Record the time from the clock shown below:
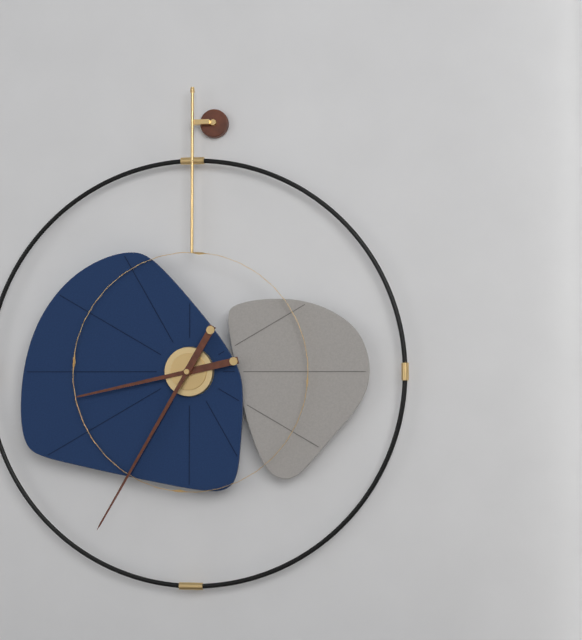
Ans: 8:35
